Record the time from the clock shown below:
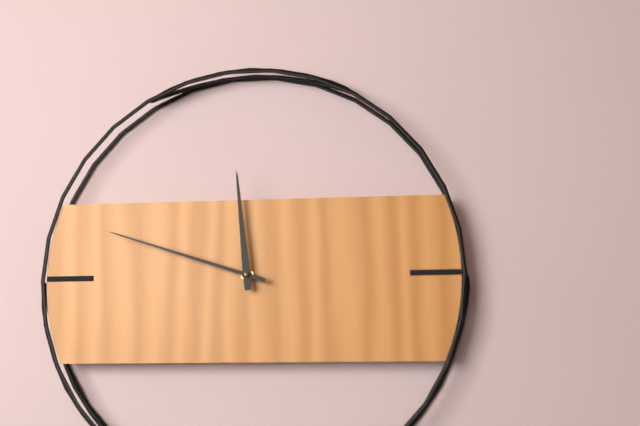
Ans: 11:48
